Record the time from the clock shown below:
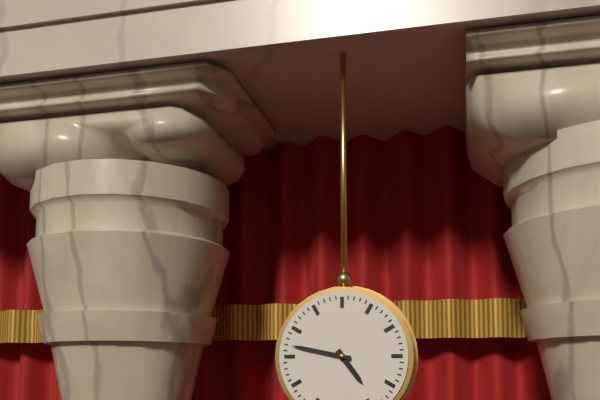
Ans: 4:47
